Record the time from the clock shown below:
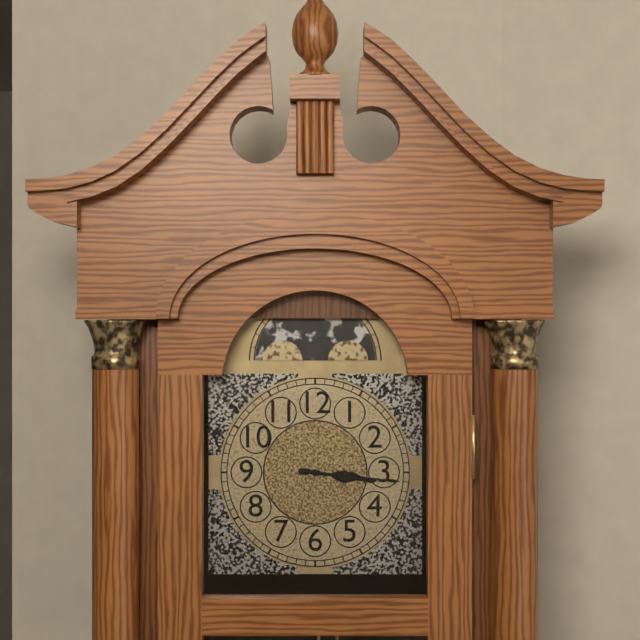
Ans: 3:16
